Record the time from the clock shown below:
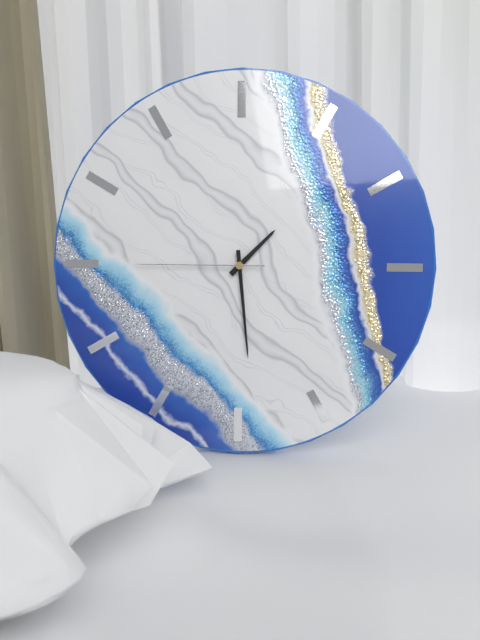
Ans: 1:29:45
